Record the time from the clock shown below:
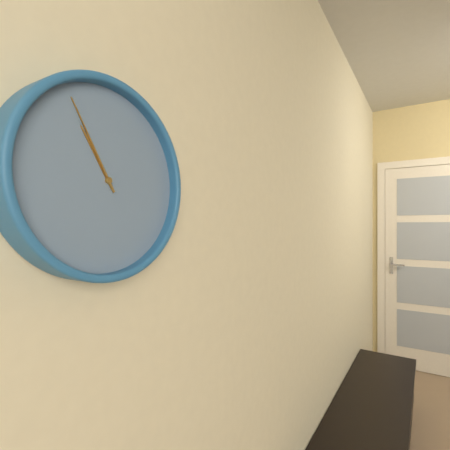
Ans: 10:55
